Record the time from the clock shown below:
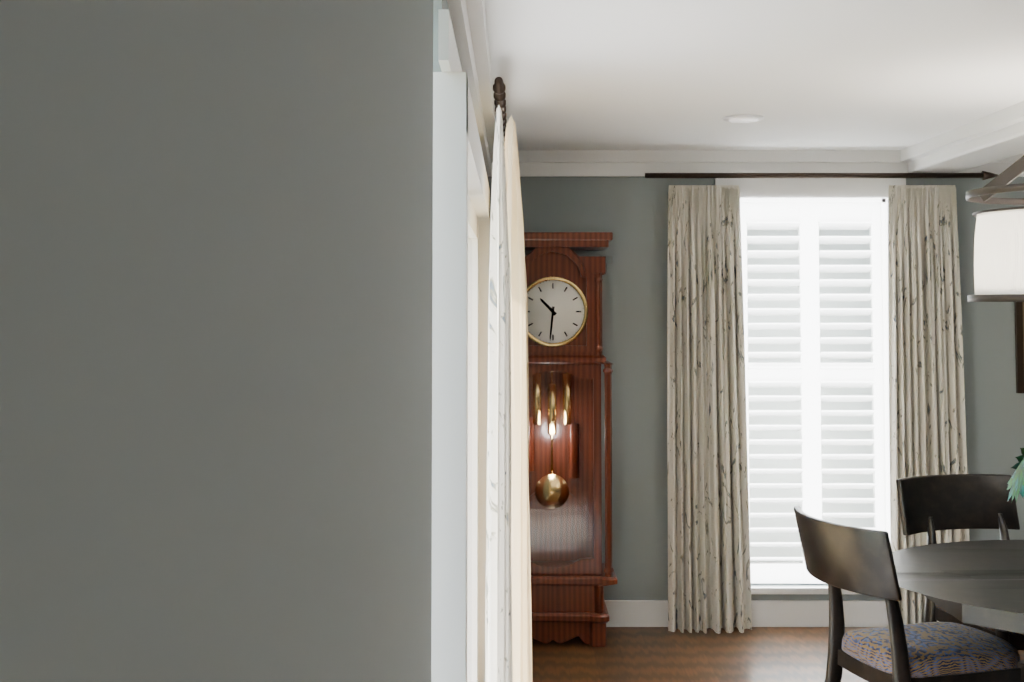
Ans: 10:31
